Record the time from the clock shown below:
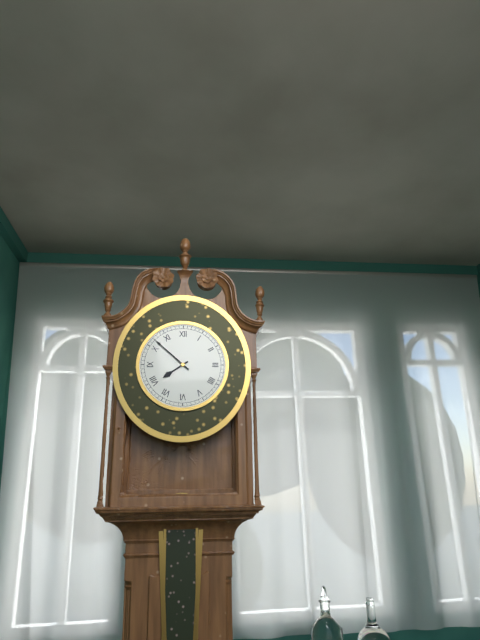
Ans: 7:52
